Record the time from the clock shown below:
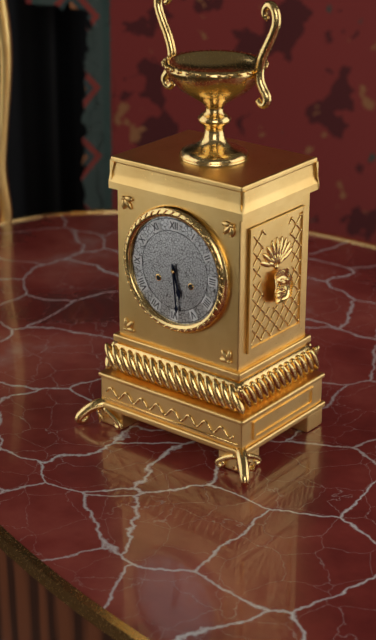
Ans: 5:29
